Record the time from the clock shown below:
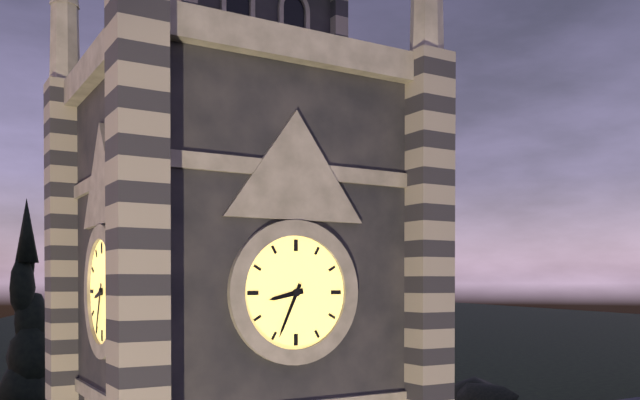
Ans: 8:34
